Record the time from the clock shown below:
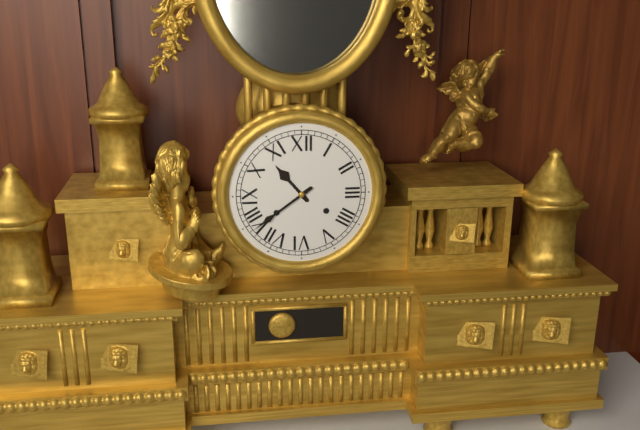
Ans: 10:39
